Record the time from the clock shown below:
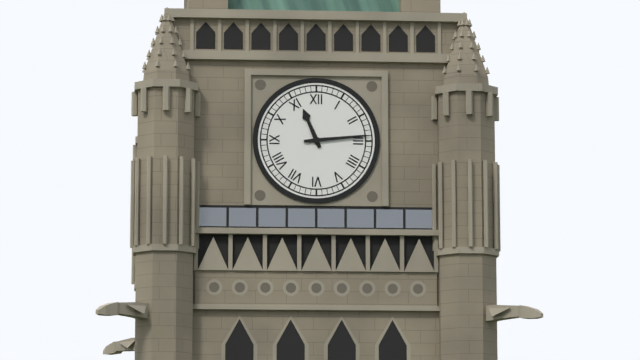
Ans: 11:14
